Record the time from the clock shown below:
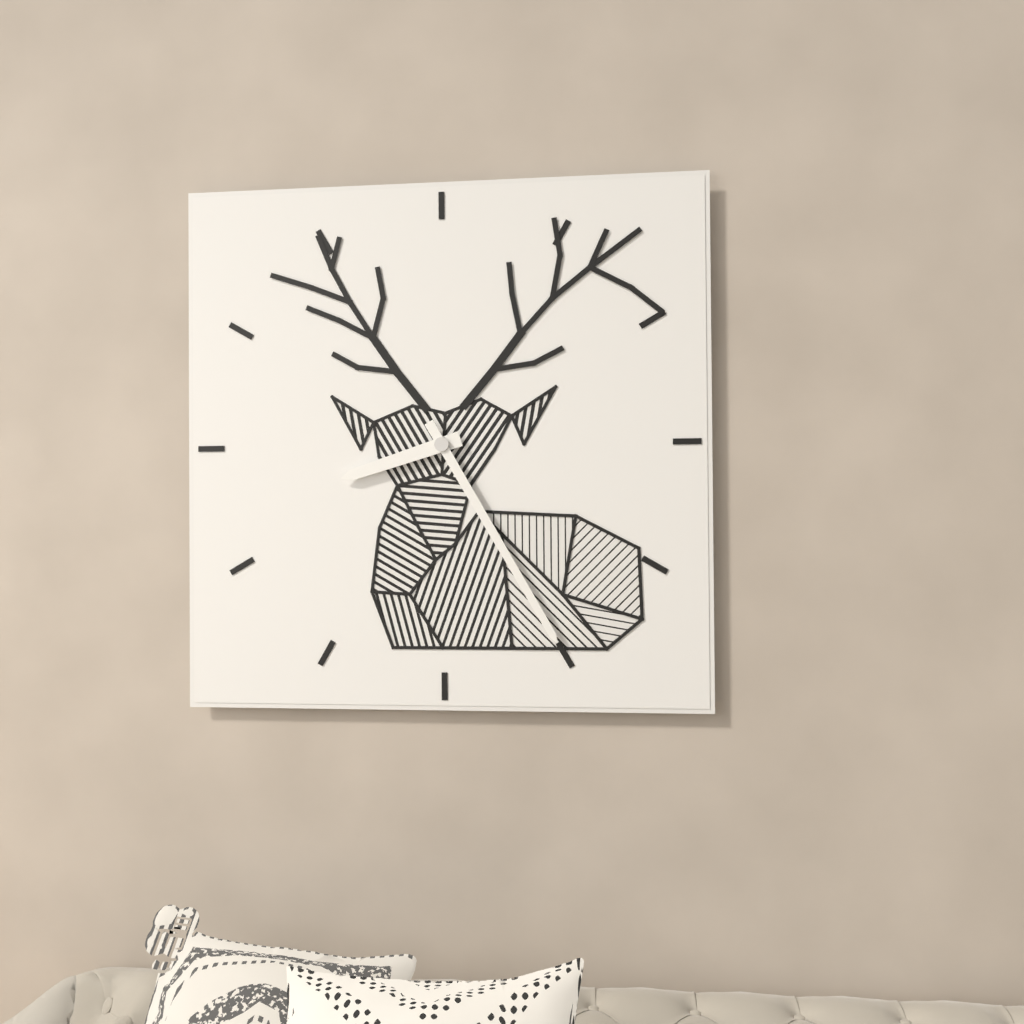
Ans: 8:25
